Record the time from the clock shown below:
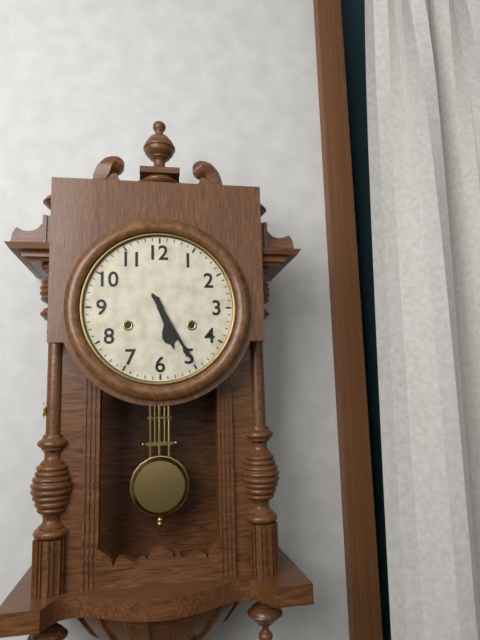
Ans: 5:25
